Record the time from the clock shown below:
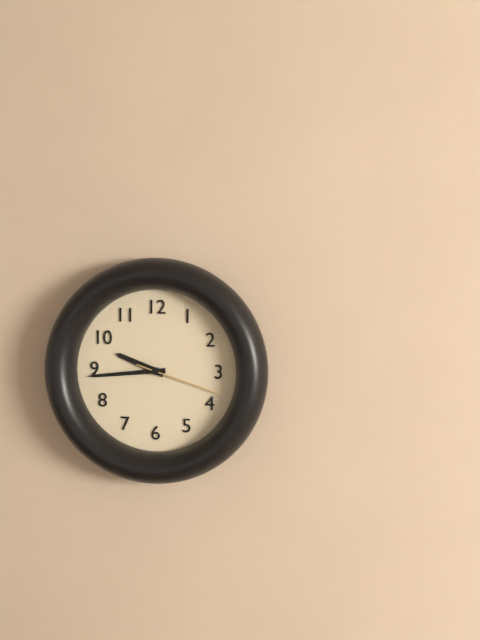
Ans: 9:44:18
